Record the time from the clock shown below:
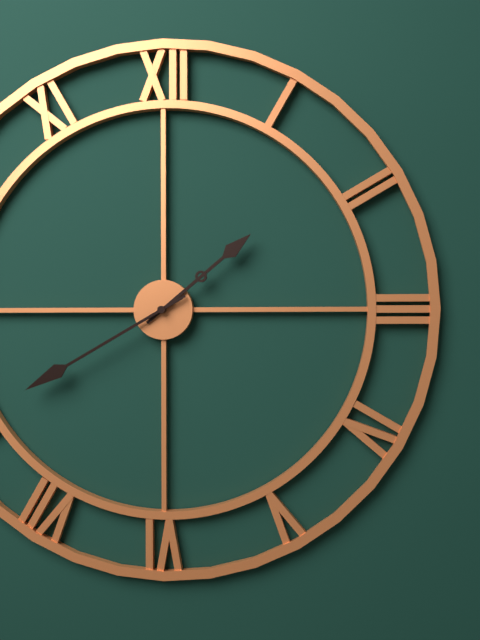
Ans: 1:40
